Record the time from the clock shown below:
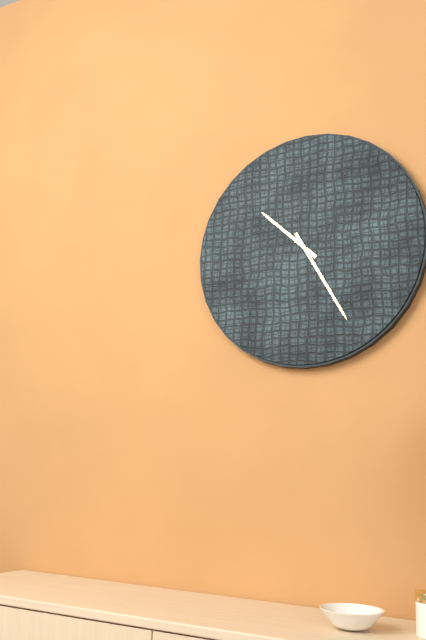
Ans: 10:25
